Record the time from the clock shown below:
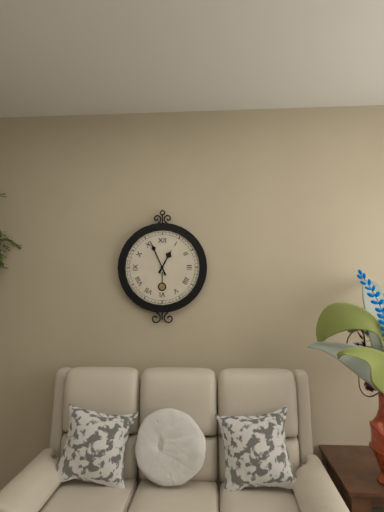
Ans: 12:56
